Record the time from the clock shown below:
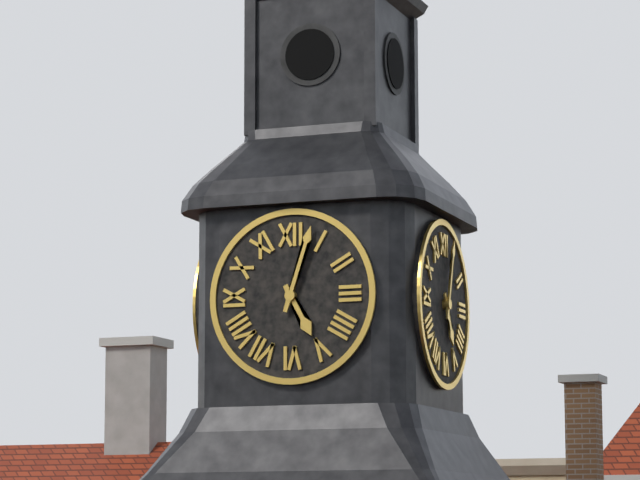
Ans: 5:03
